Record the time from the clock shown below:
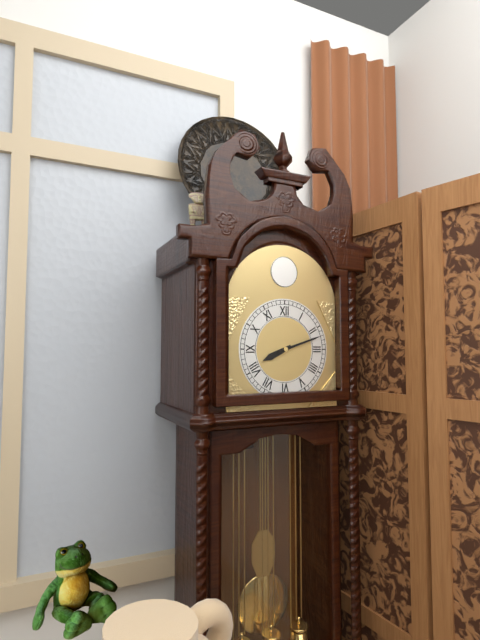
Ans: 8:12
